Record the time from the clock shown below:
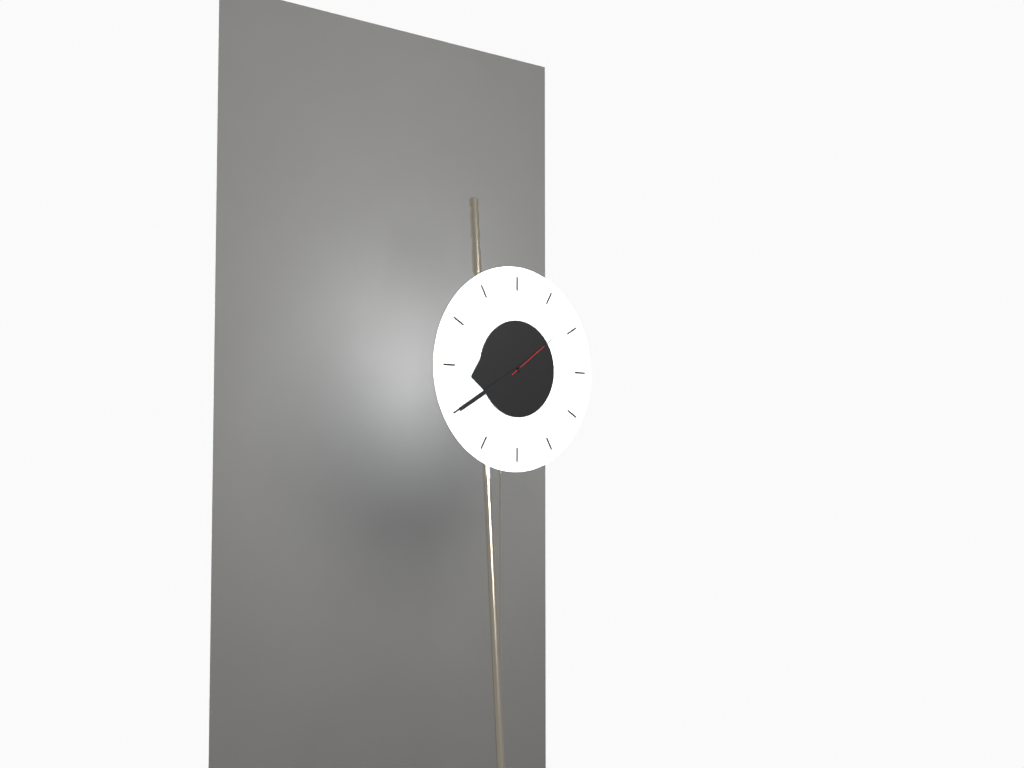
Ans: 8:40:09
